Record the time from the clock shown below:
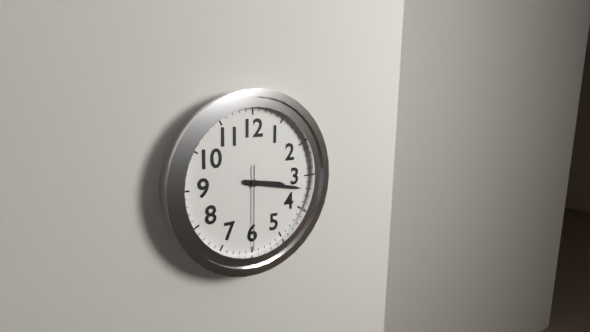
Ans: 3:17:30
